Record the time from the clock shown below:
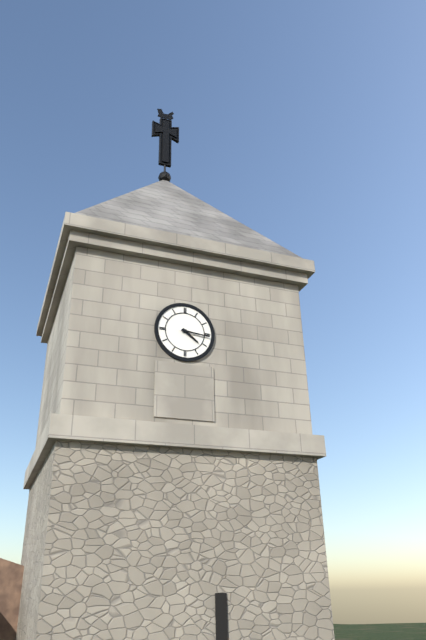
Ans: 4:16
